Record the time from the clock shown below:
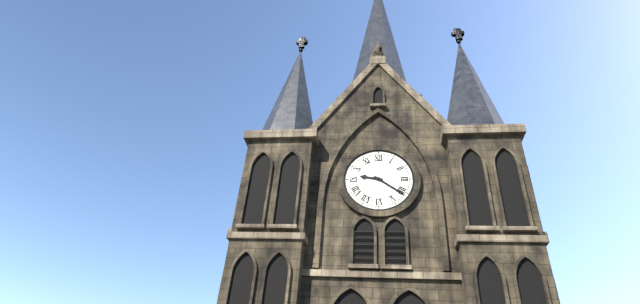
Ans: 9:21
